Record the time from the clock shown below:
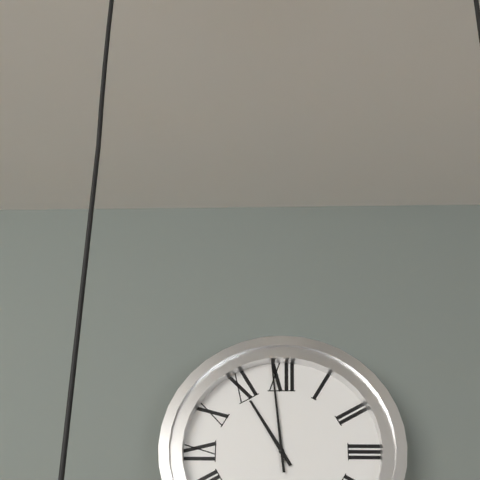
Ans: 10:59
